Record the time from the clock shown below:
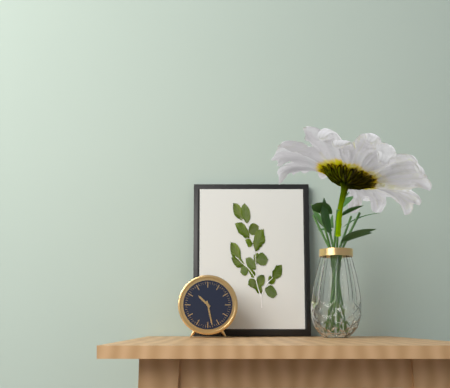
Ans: 10:28
